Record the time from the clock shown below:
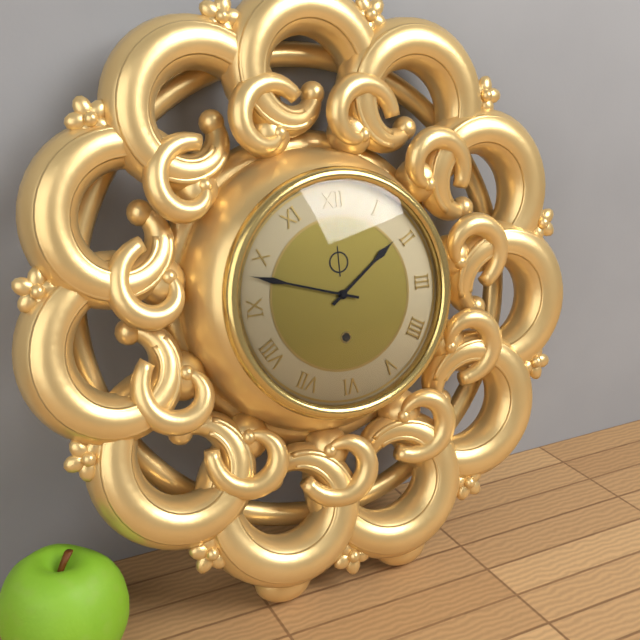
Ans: 1:48
